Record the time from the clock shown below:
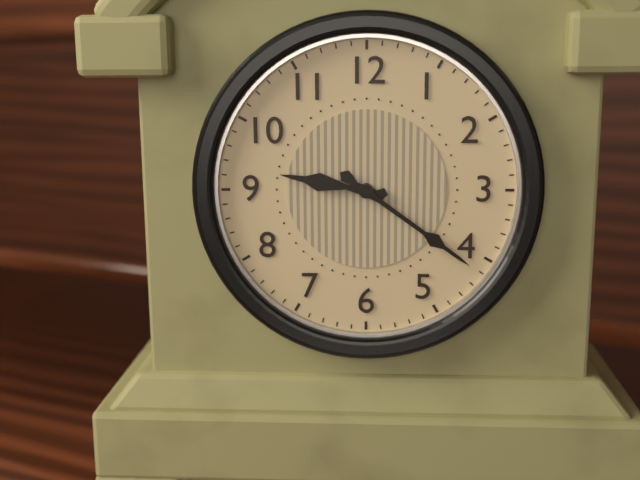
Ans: 9:21
